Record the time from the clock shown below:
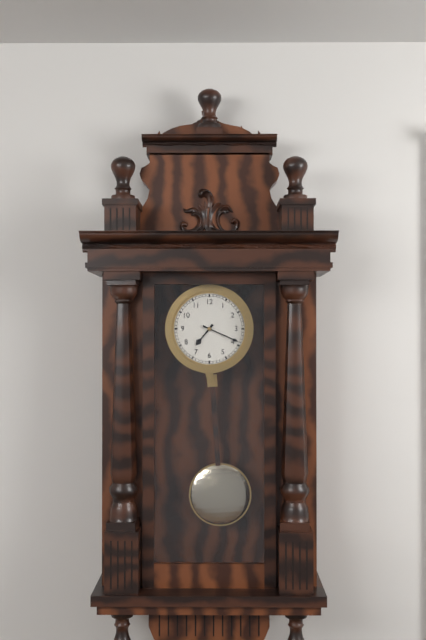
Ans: 7:19
